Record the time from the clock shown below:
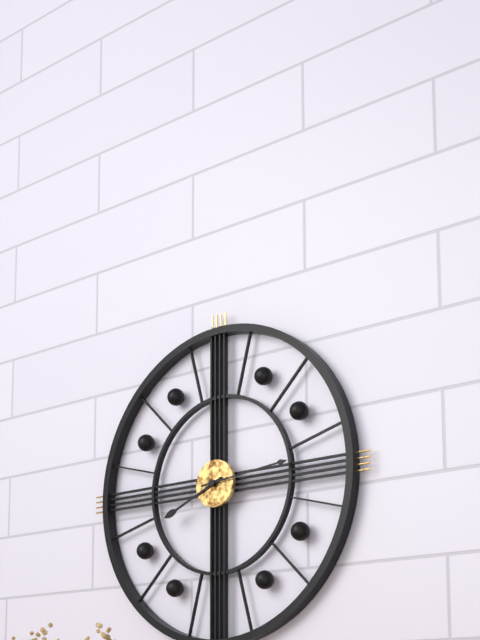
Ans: 8:14
